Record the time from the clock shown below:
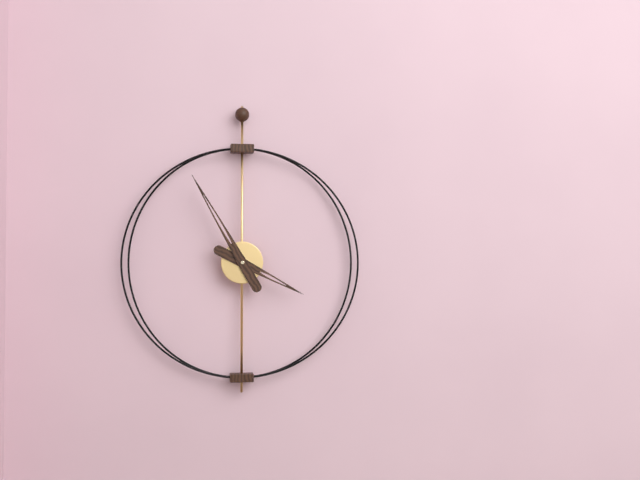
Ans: 3:55
